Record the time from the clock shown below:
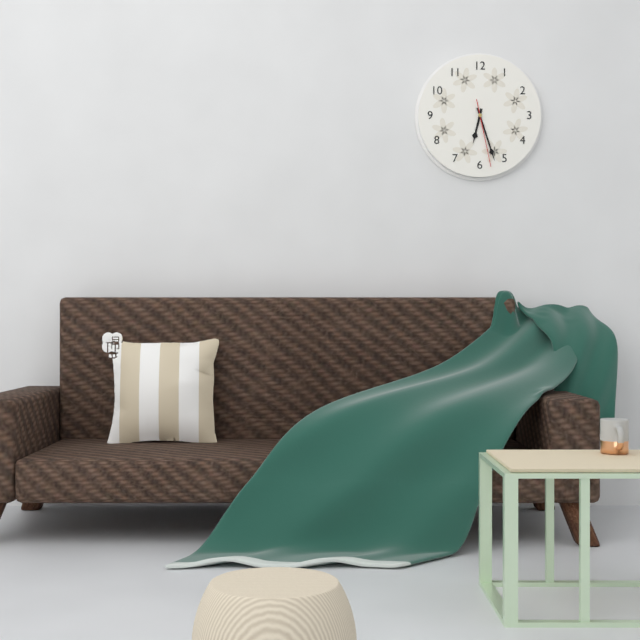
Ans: 6:27:28
